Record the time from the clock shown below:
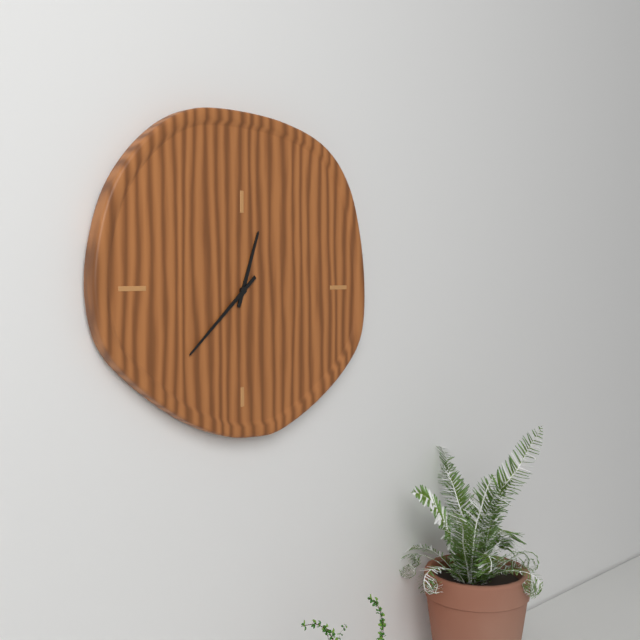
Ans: 12:38
